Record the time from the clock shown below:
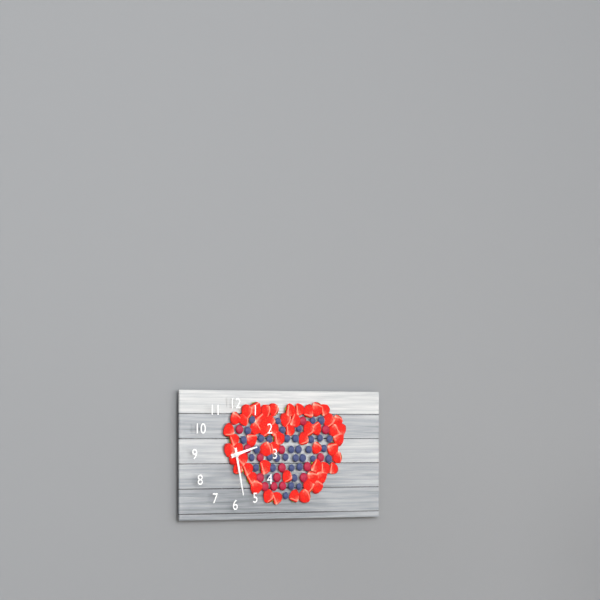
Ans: 2:28
